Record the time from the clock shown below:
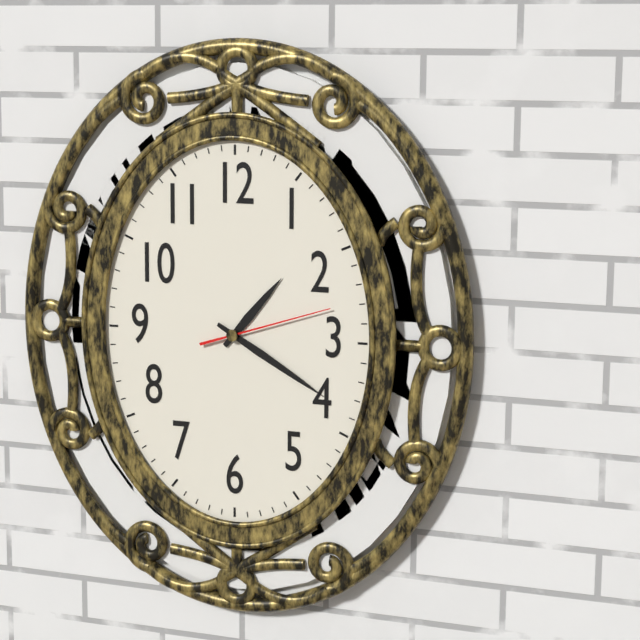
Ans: 1:20:12
